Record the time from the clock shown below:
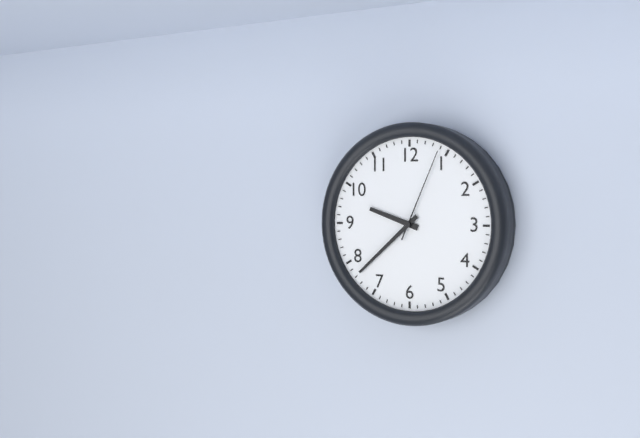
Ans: 9:38:04
